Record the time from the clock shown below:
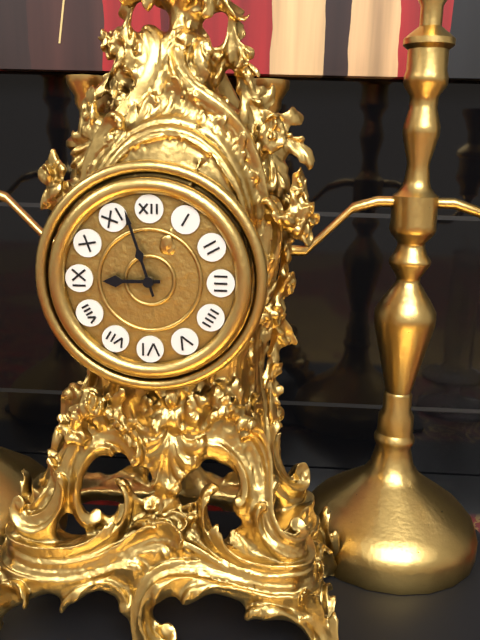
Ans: 8:57
